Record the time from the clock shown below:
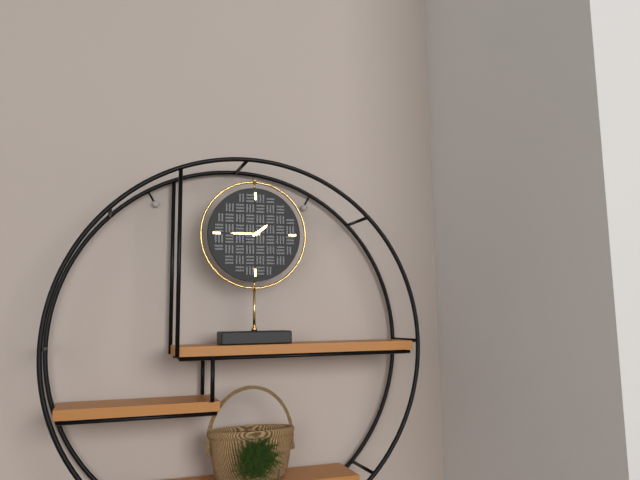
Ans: 1:45
